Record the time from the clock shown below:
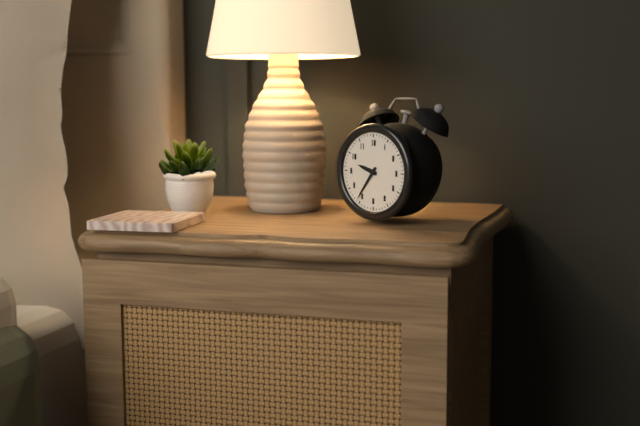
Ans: 9:36
